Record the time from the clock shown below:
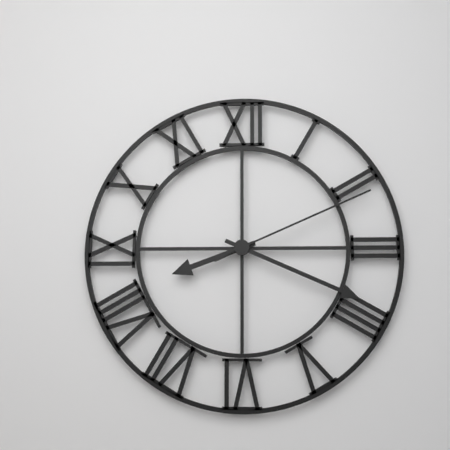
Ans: 8:19:11
